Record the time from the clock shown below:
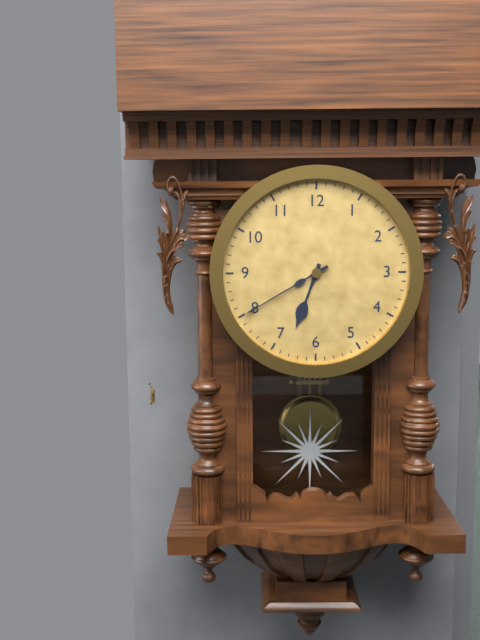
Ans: 6:40
